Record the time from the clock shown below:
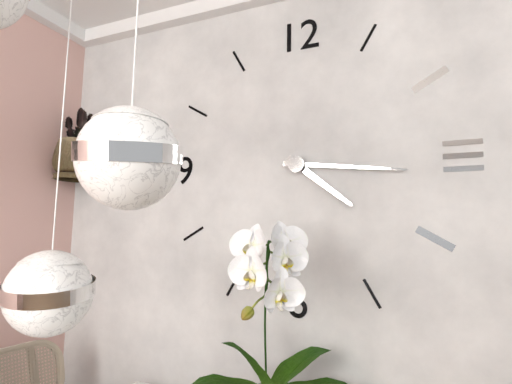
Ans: 4:16
